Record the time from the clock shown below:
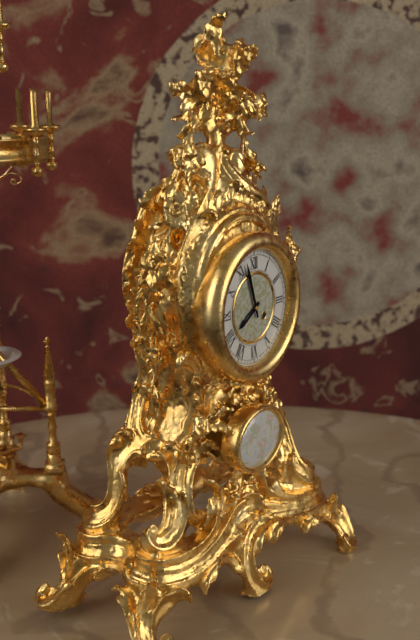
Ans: 7:57
